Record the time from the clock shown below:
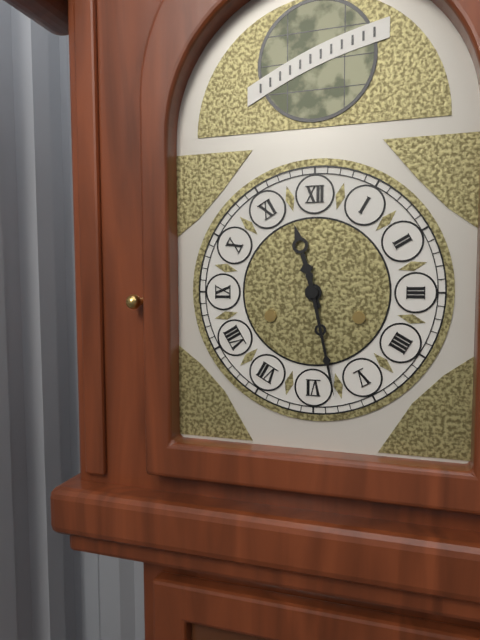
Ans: 11:28
